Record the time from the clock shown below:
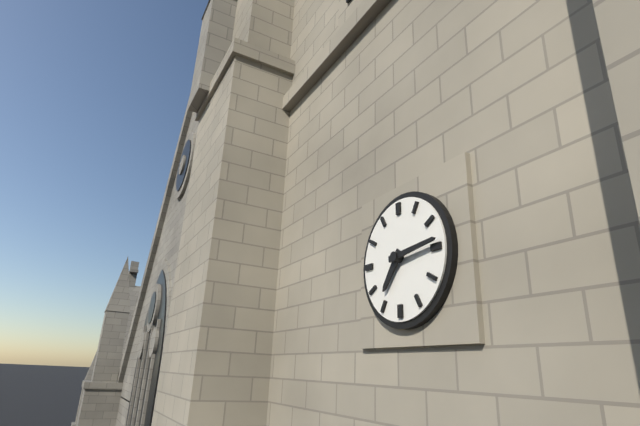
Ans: 7:14
